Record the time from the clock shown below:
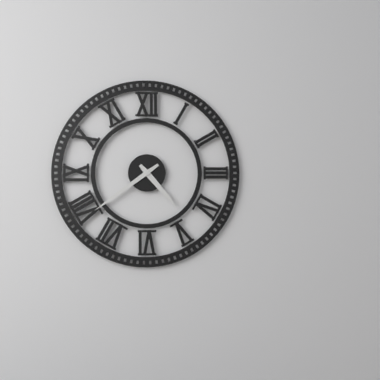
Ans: 4:39
